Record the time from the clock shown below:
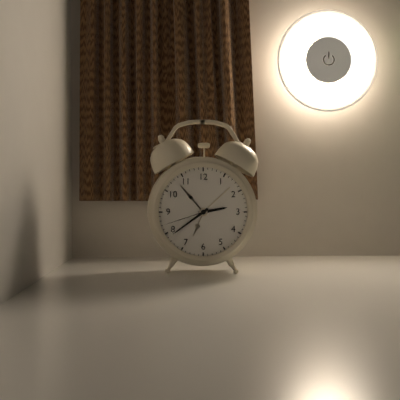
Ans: 2:39:42
